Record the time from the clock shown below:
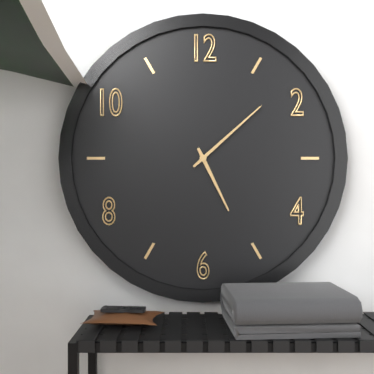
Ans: 5:08
